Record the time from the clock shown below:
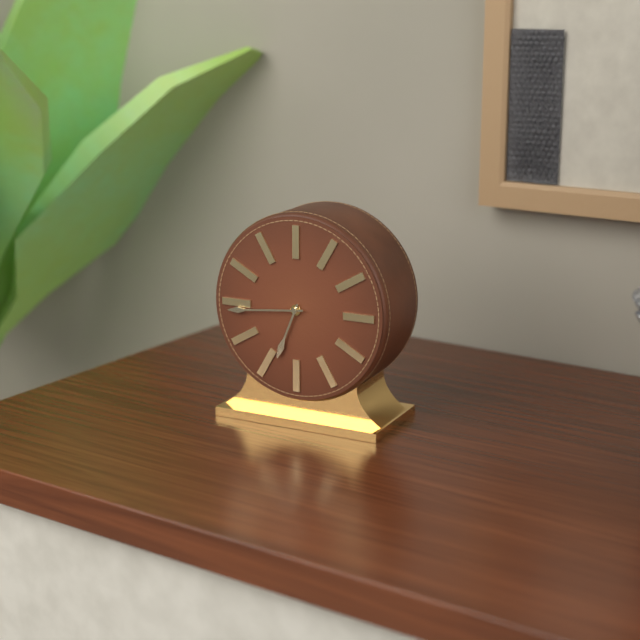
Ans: 6:44
